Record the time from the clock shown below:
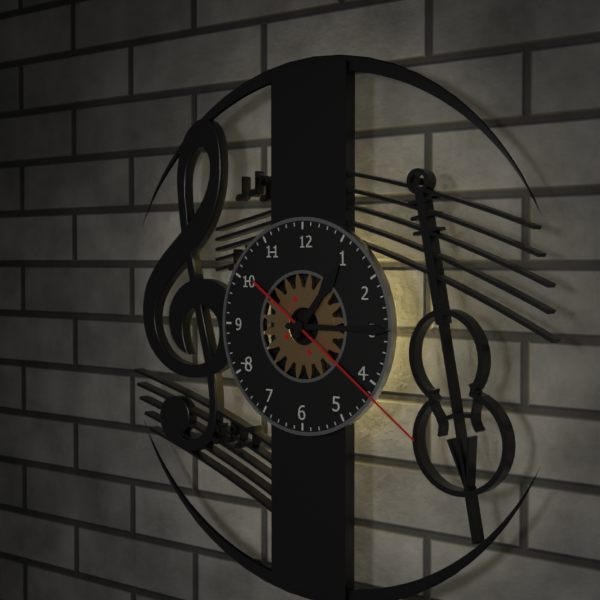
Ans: 1:15:21
